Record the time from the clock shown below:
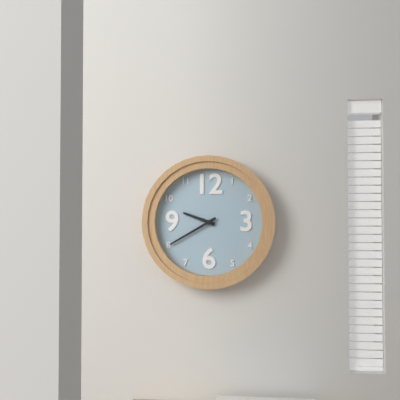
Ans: 9:40
